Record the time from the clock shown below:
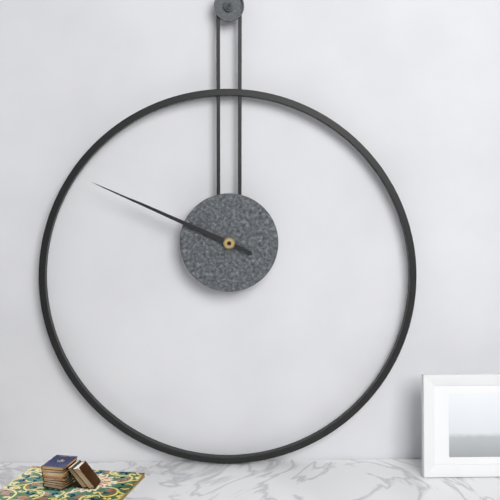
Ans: 9:49
